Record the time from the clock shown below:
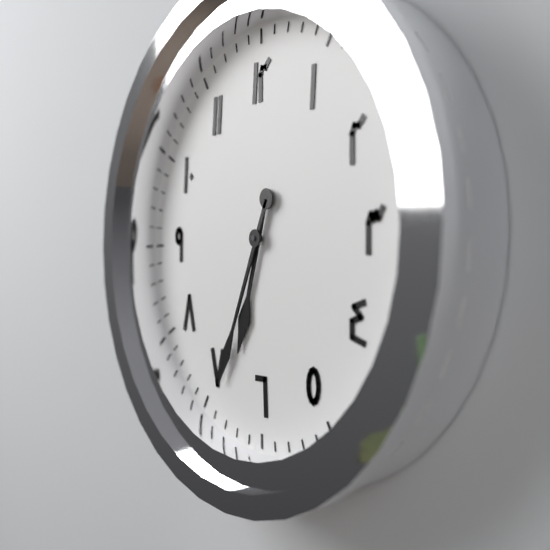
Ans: 6:34
